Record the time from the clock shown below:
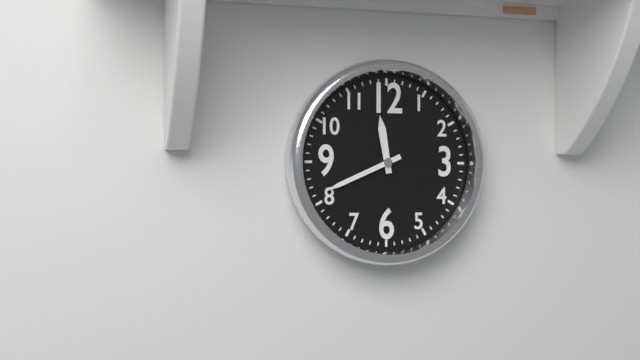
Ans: 11:41
